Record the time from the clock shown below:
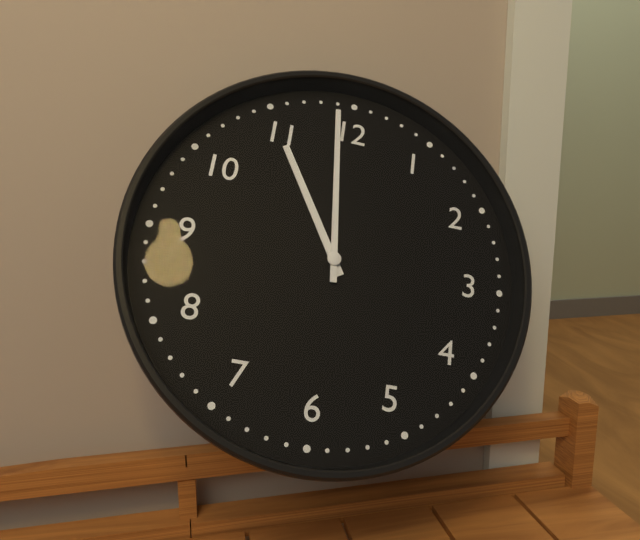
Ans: 10:59
